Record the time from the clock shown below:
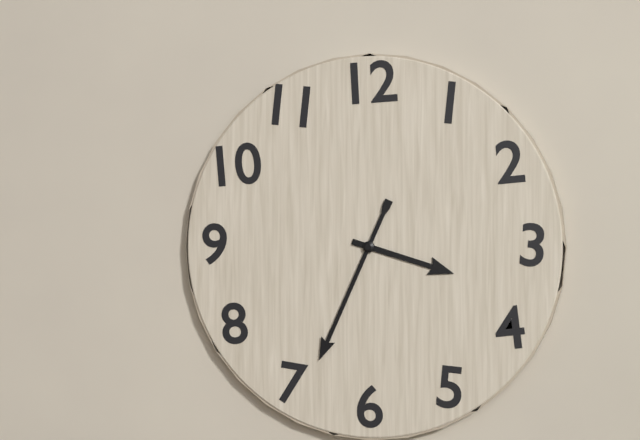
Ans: 3:34
